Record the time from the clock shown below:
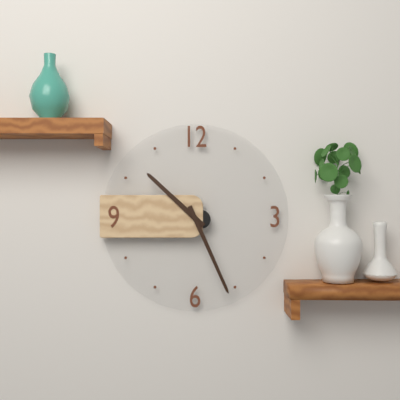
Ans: 10:26
